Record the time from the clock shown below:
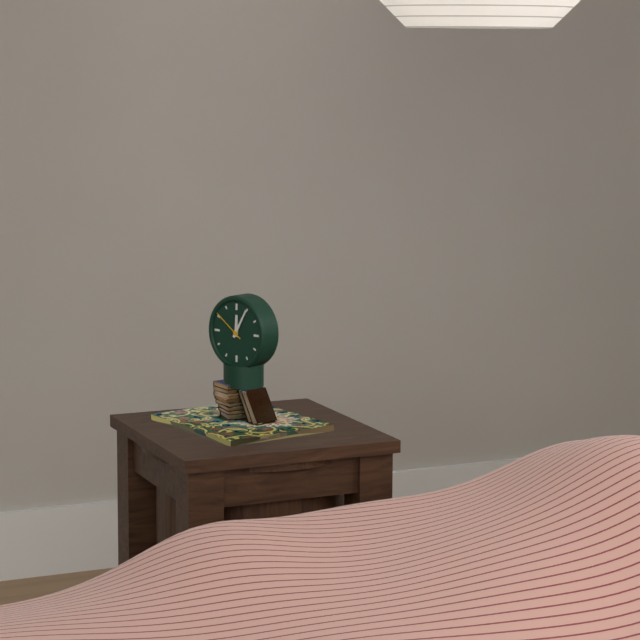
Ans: 12:05
